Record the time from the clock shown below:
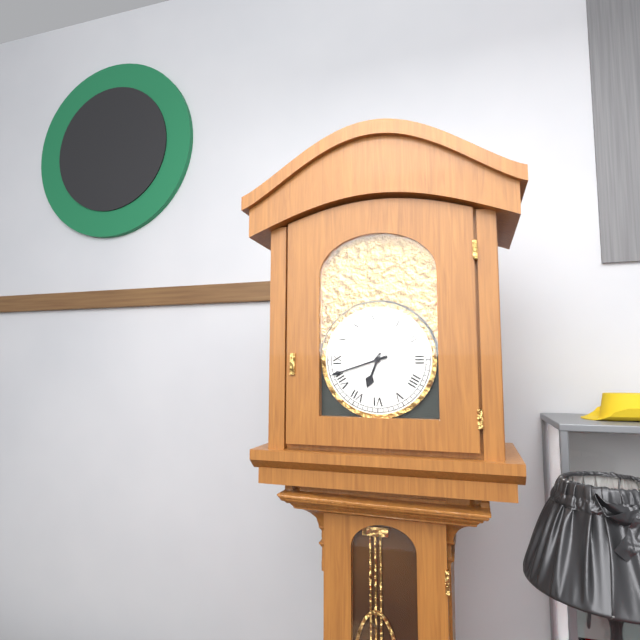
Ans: 6:42
